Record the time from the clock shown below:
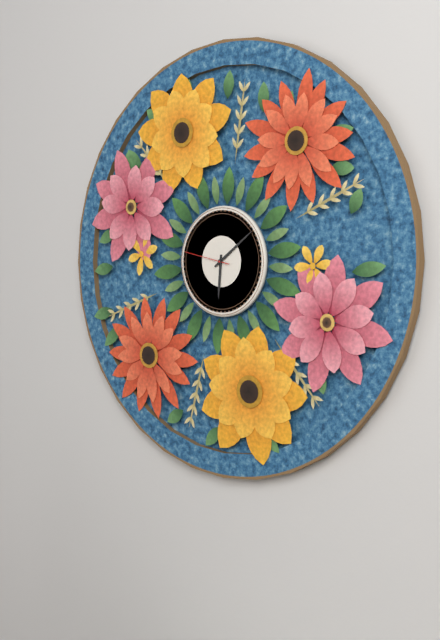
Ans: 6:09:47
